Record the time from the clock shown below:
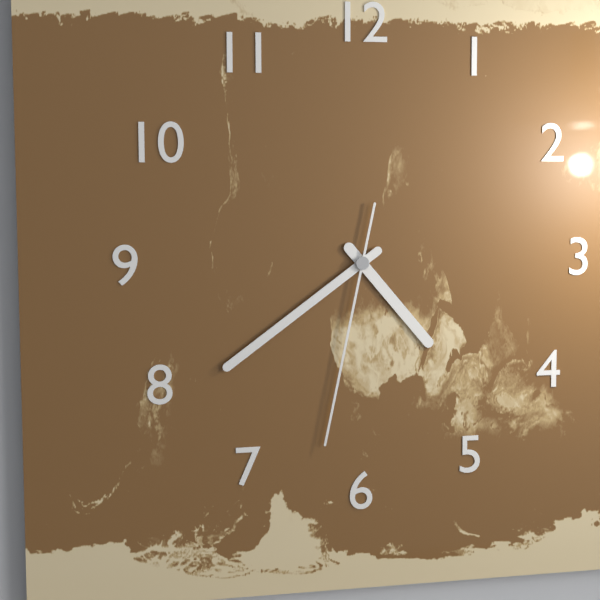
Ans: 4:39:32
